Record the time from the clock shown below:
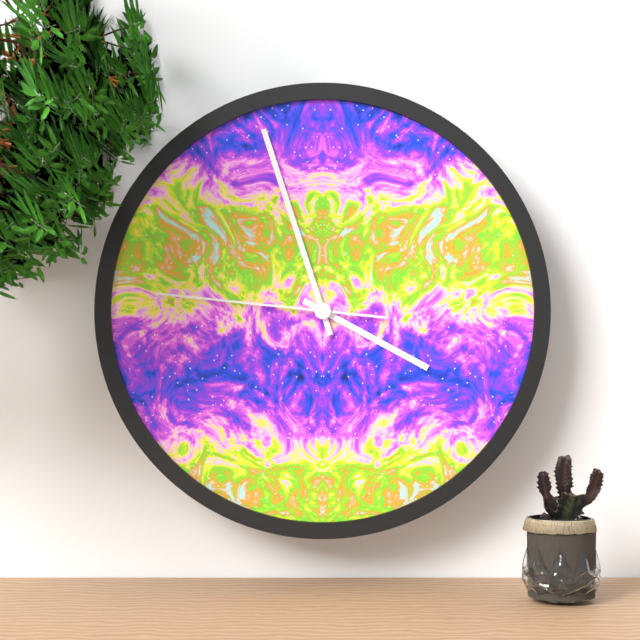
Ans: 3:57:46
